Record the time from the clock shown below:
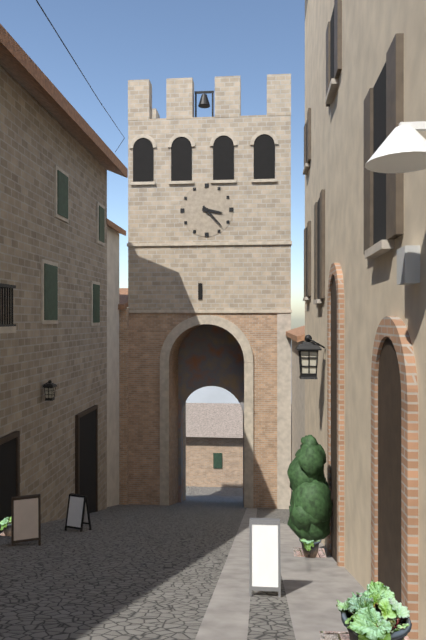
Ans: 3:23
